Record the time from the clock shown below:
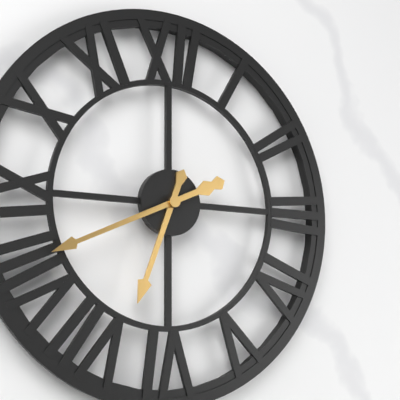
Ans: 6:41
